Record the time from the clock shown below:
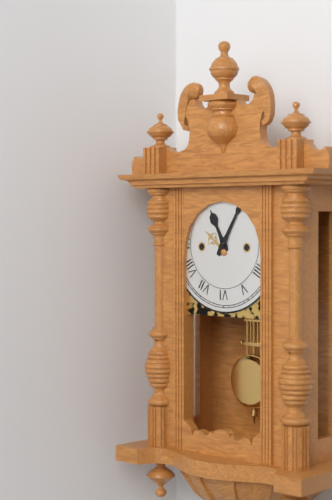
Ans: 11:05
